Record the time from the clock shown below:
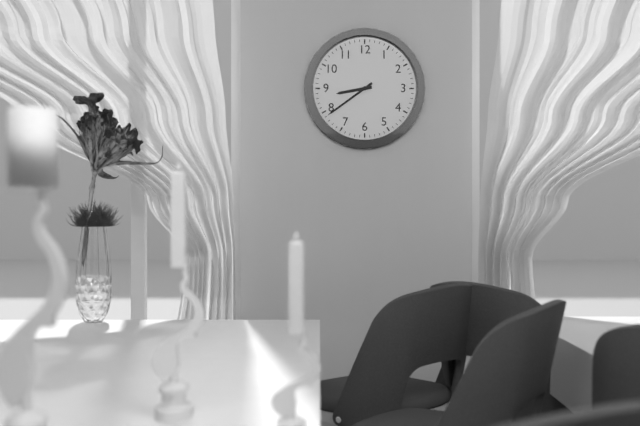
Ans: 8:39
